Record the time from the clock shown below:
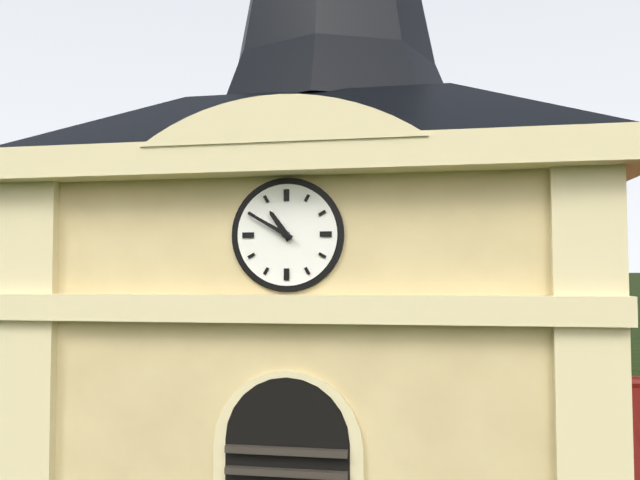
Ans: 10:50
